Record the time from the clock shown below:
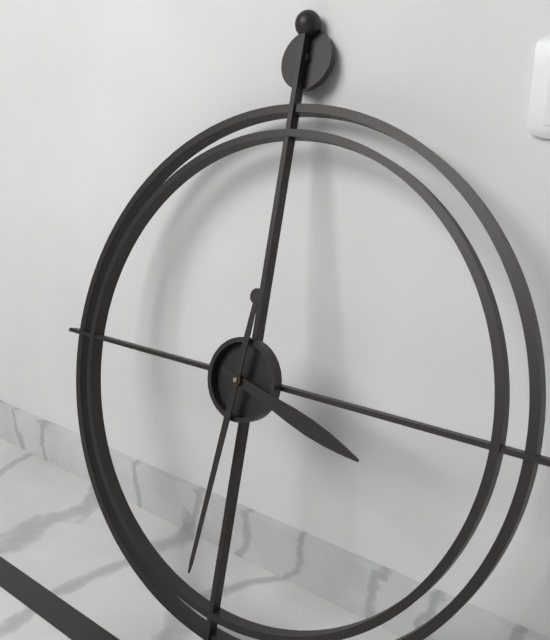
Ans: 3:31
